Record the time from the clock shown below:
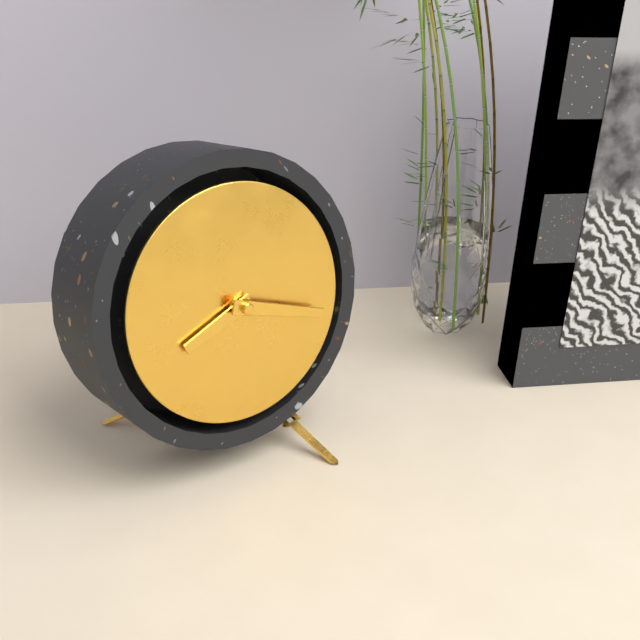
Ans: 8:18
